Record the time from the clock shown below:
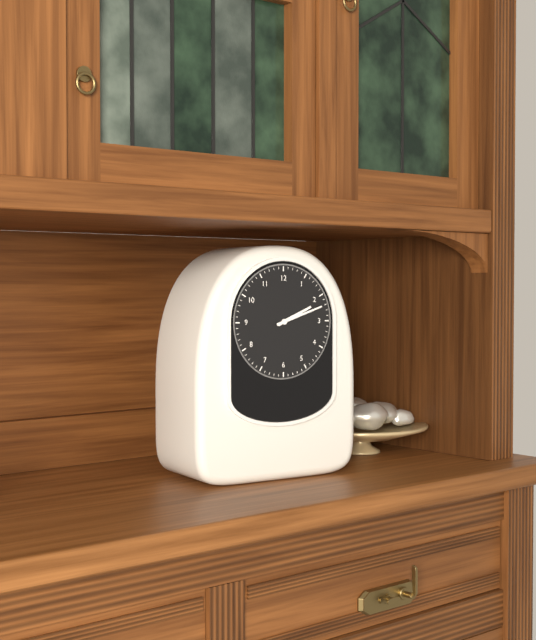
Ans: 2:12
